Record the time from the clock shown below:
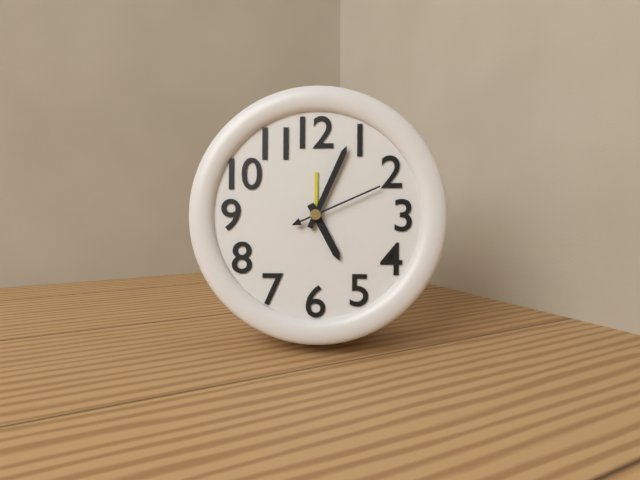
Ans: 5:04:11
